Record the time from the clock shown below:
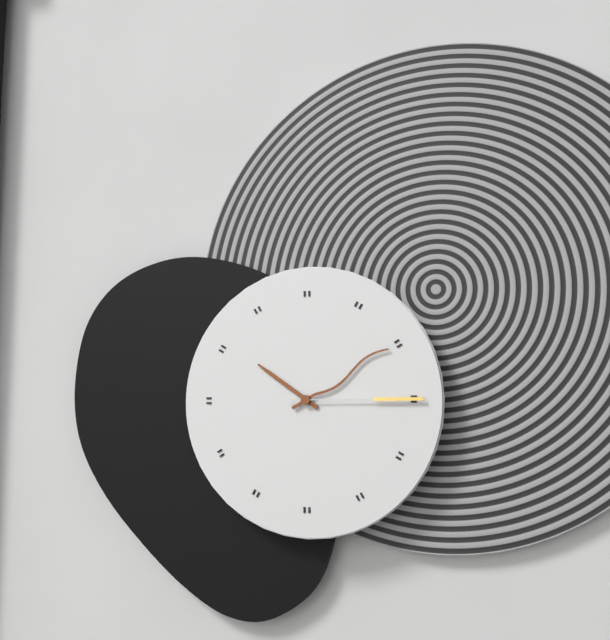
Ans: 10:10:15
